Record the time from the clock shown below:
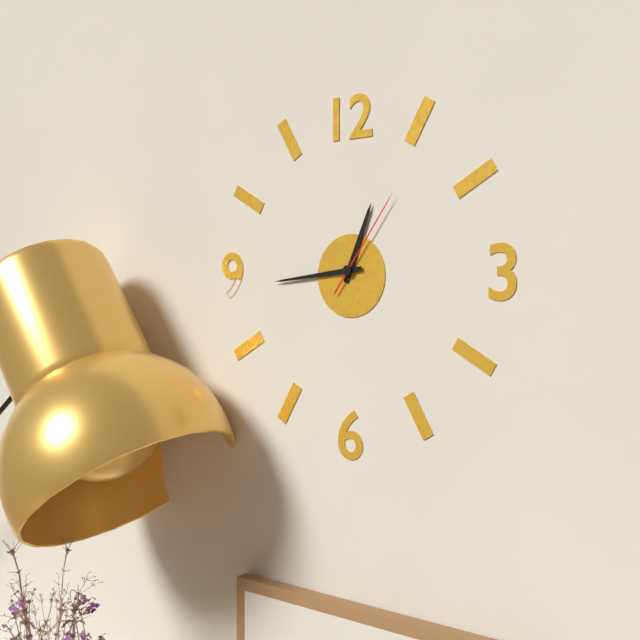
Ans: 12:44:06
